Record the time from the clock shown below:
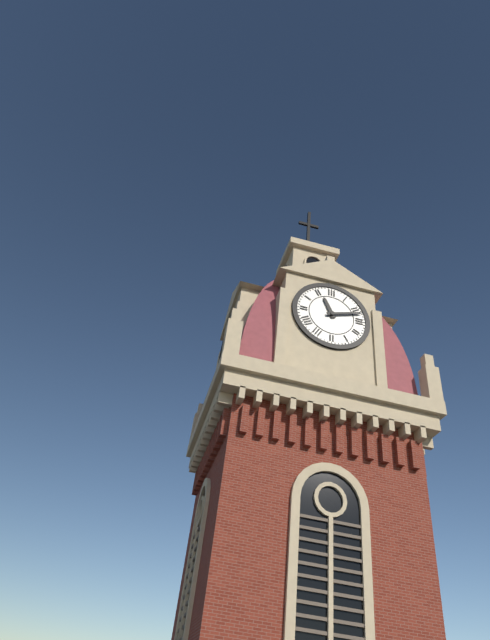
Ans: 11:12
